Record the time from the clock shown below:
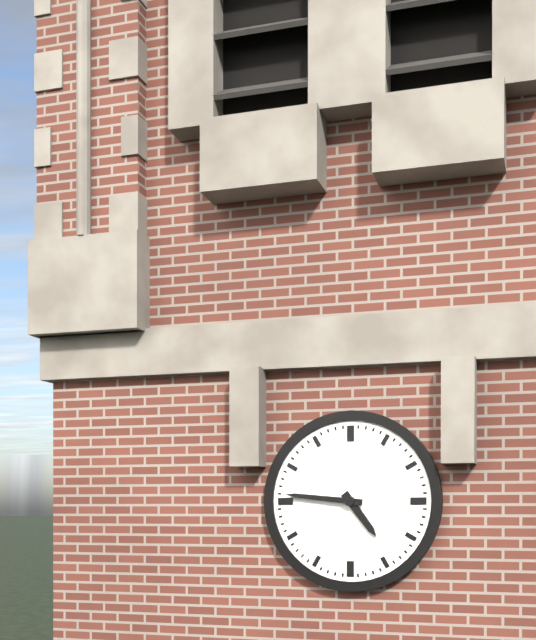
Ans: 4:46
